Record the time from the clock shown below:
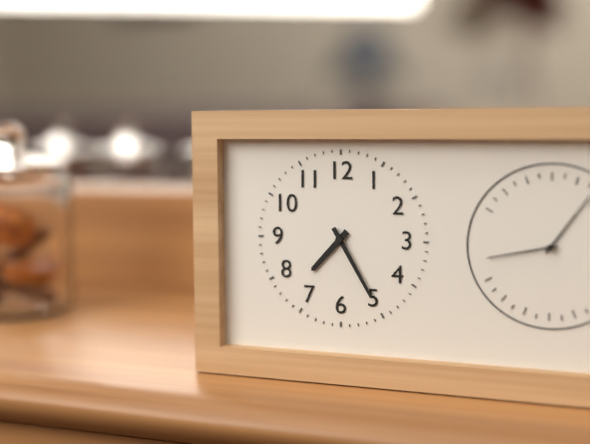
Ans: 7:25
